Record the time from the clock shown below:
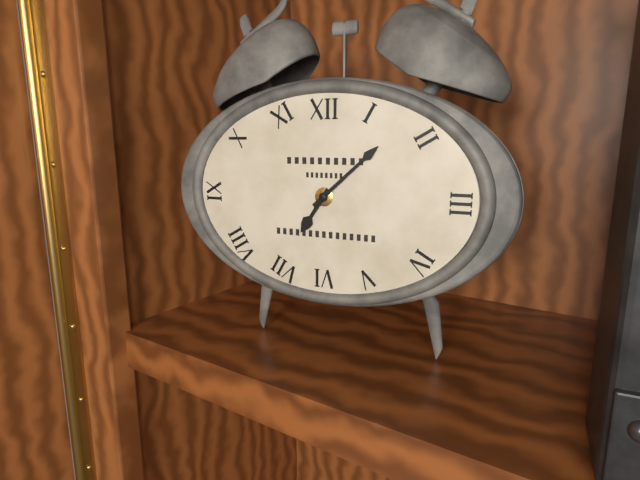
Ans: 7:08
